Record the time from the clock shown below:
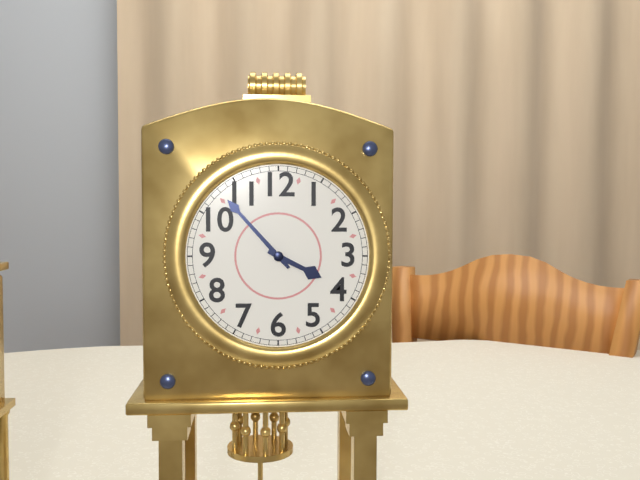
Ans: 3:53
